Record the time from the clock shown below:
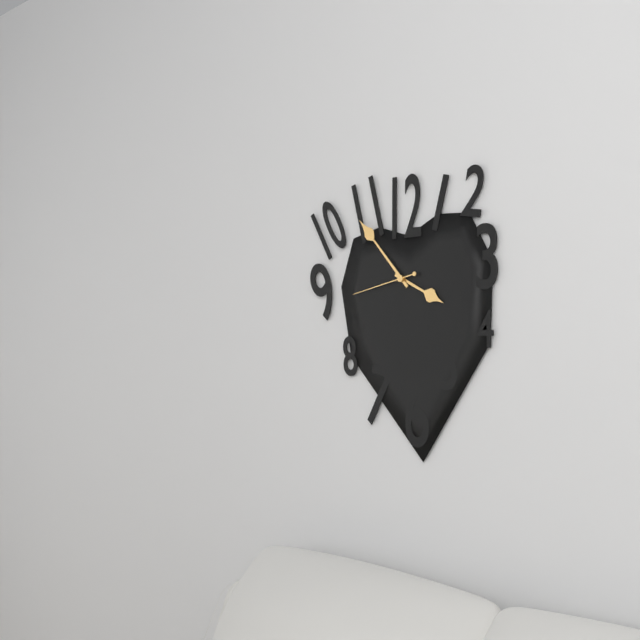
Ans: 3:53:43
